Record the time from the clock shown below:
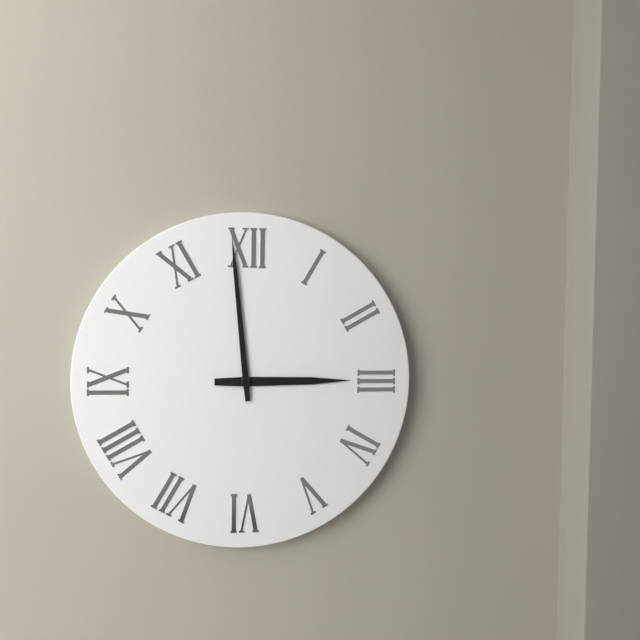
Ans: 2:59
